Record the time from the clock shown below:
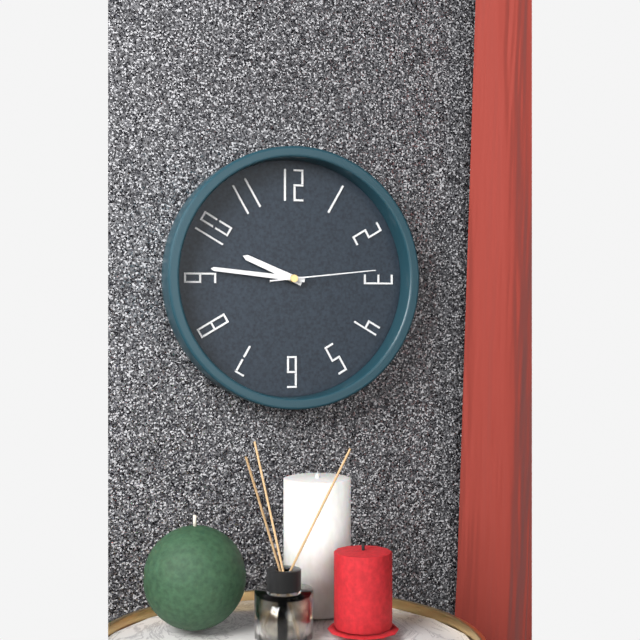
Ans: 9:46:14
